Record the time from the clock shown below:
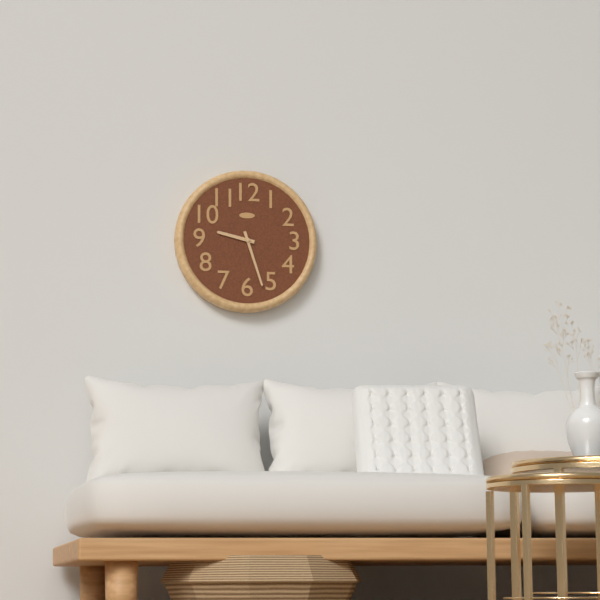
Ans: 9:27
